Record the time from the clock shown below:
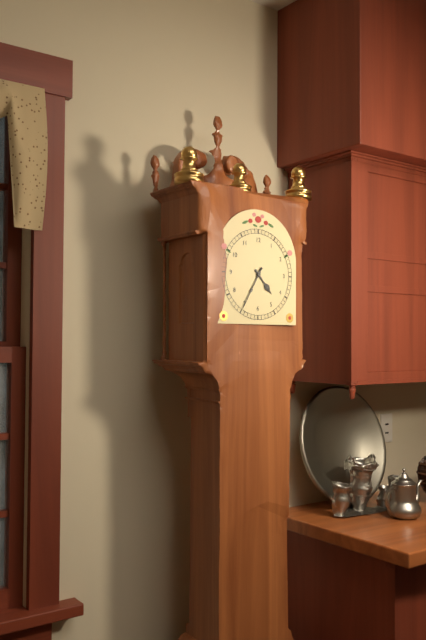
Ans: 4:35
